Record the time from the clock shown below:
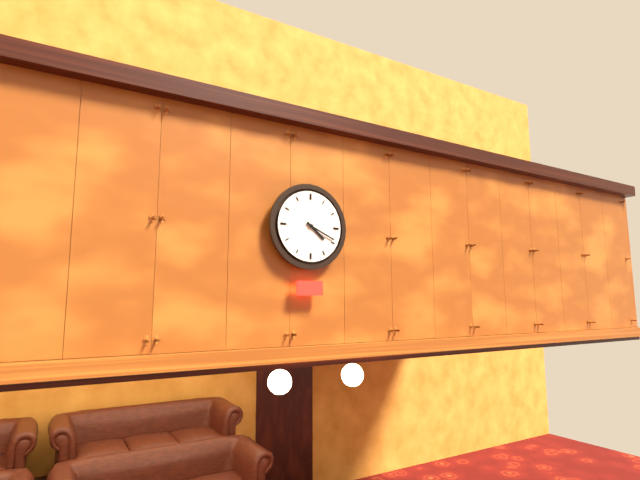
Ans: 4:19
